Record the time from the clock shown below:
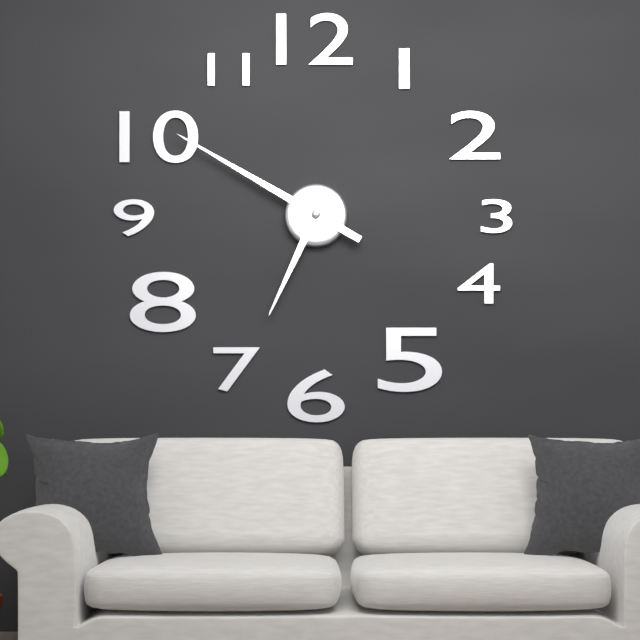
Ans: 6:50
